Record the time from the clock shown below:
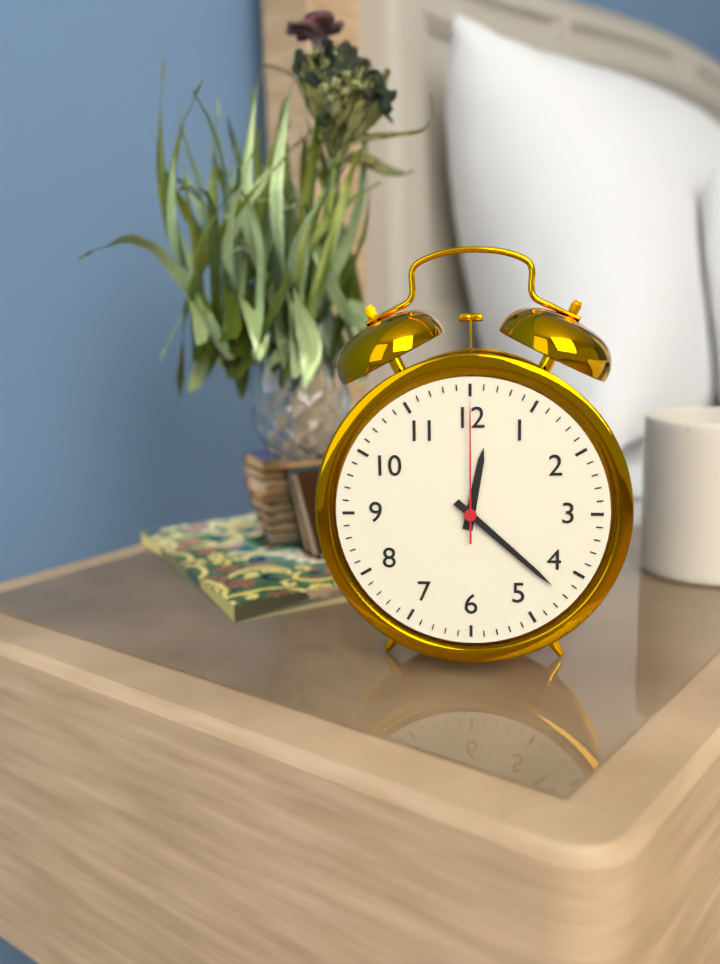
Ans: 12:22:00
